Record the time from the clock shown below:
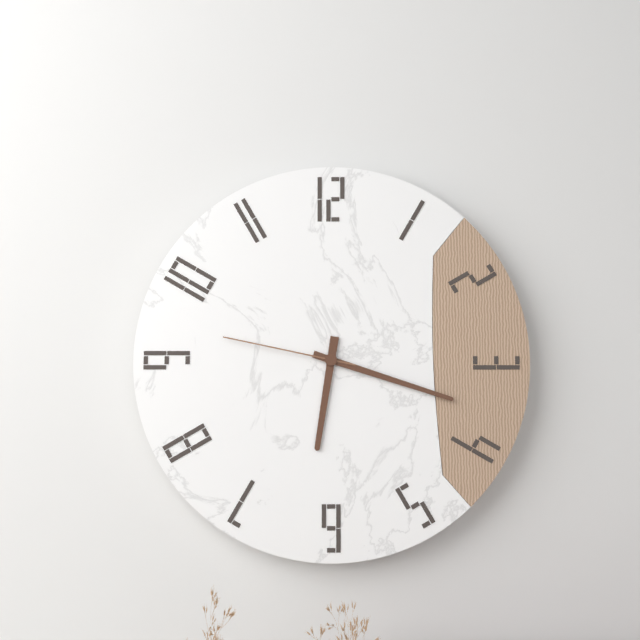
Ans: 6:18:47
